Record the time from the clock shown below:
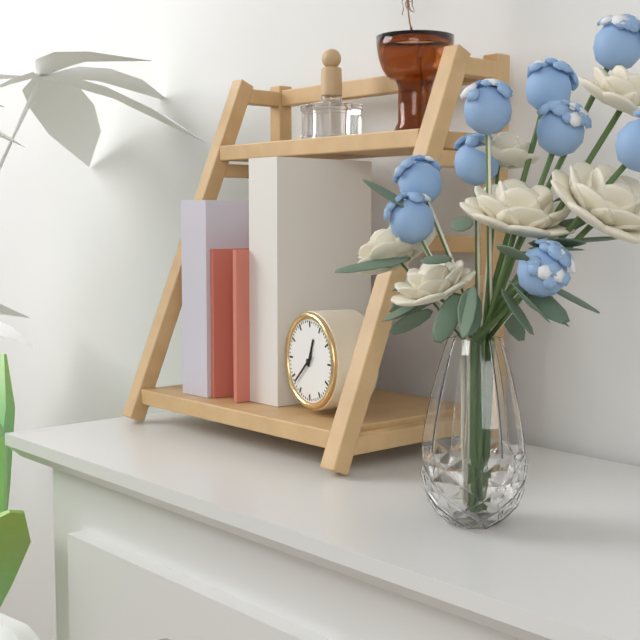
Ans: 12:38
